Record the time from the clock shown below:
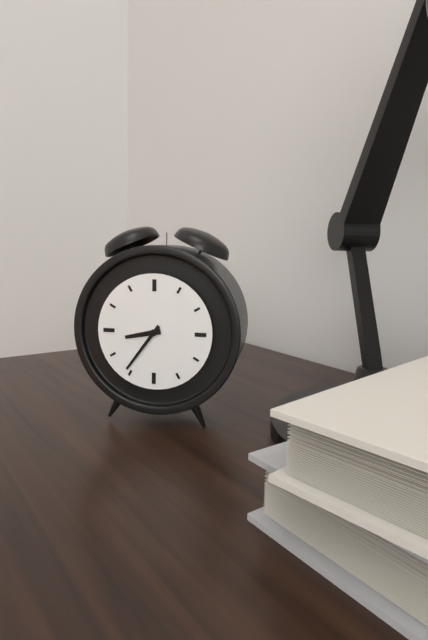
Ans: 8:36
